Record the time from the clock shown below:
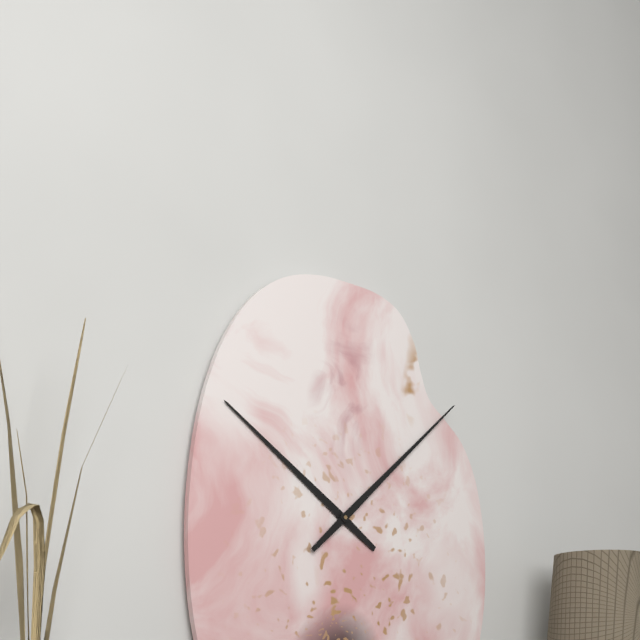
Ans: 10:08
